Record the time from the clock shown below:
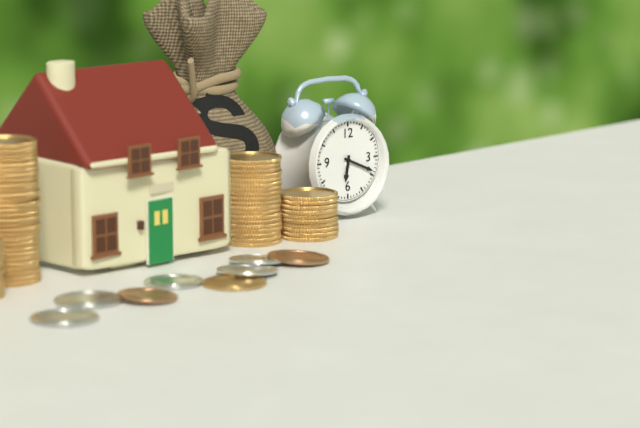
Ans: 6:19
